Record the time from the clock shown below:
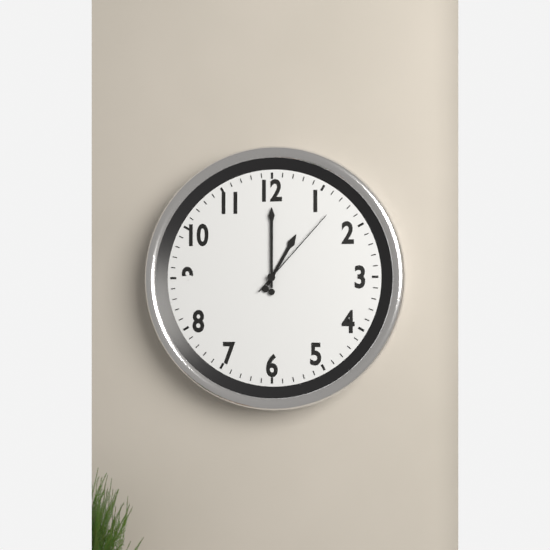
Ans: 1:00:07
